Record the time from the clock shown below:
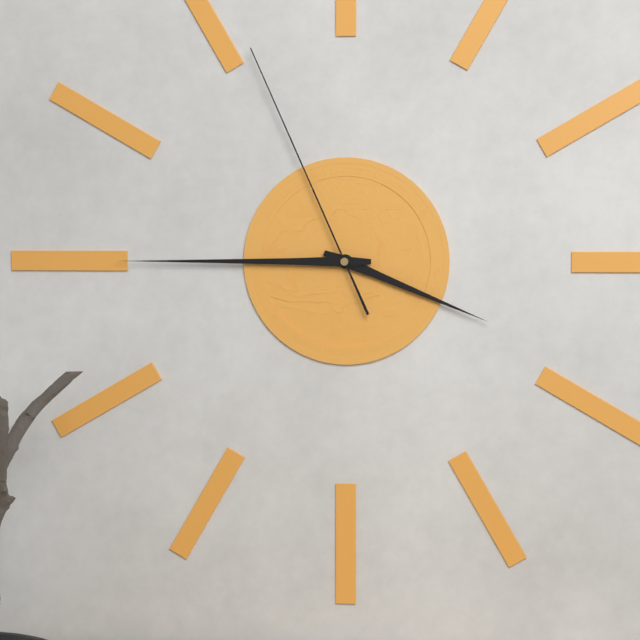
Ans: 3:45:56
